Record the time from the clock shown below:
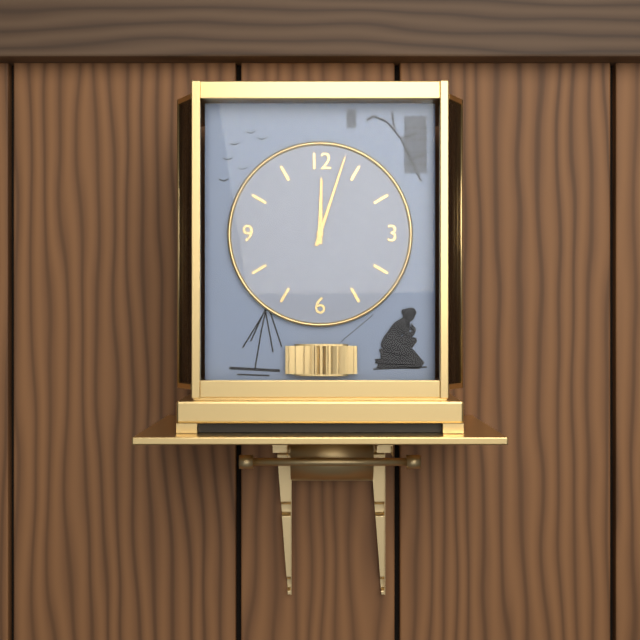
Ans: 12:03
